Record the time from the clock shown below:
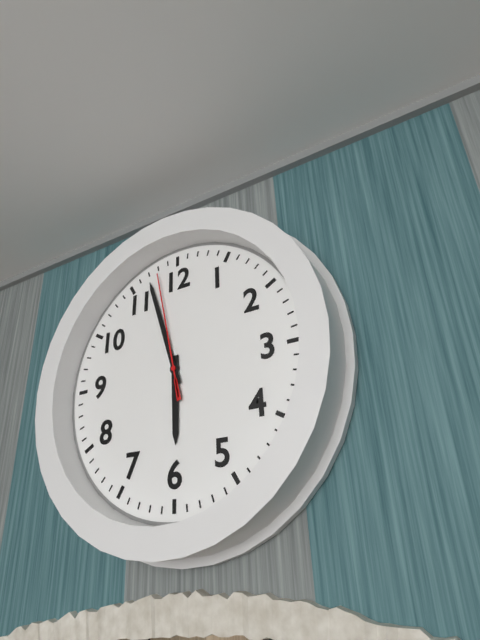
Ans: 5:57:58
